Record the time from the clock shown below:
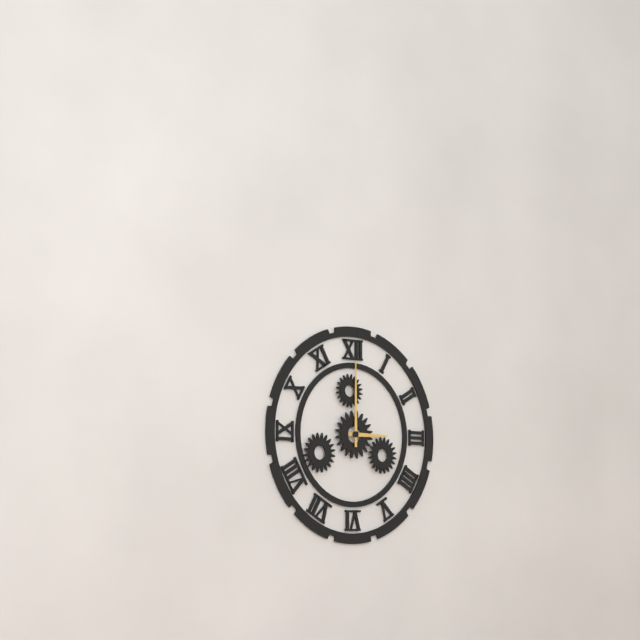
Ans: 3:00
